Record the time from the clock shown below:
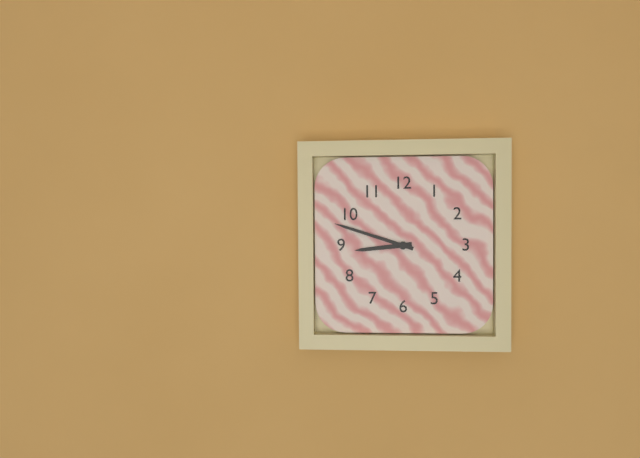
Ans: 8:48
